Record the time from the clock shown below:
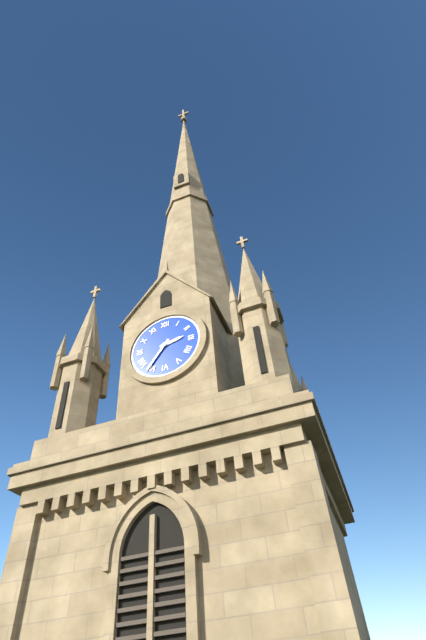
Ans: 2:36
